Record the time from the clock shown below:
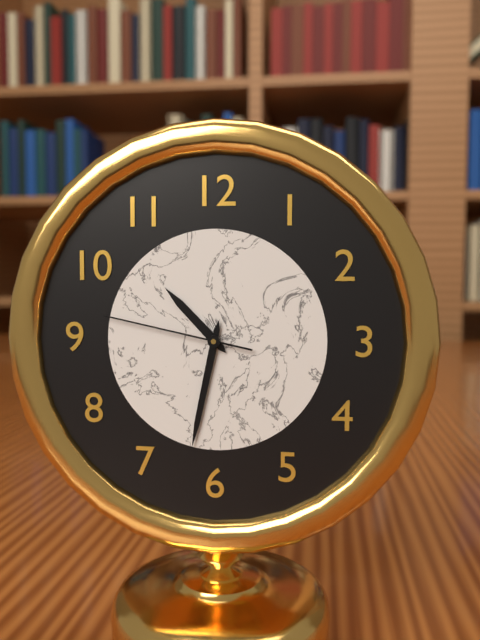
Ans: 10:32:47
